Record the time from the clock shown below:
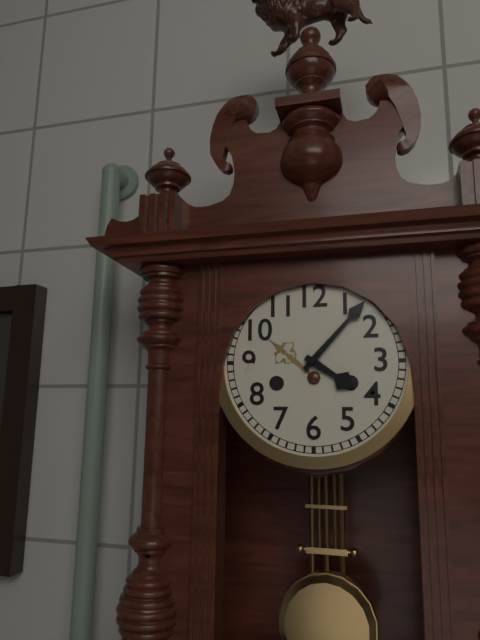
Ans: 4:07
